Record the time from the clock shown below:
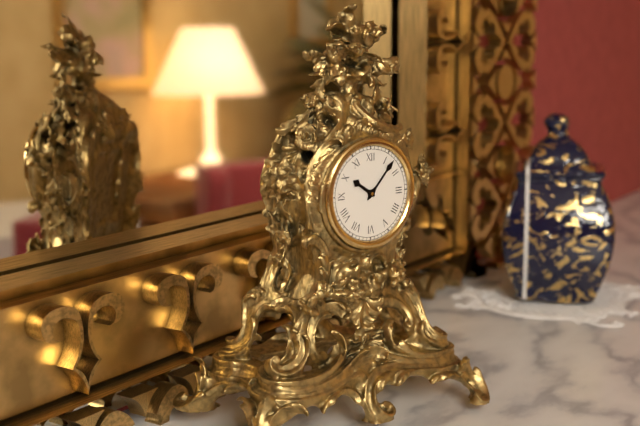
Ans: 10:07
